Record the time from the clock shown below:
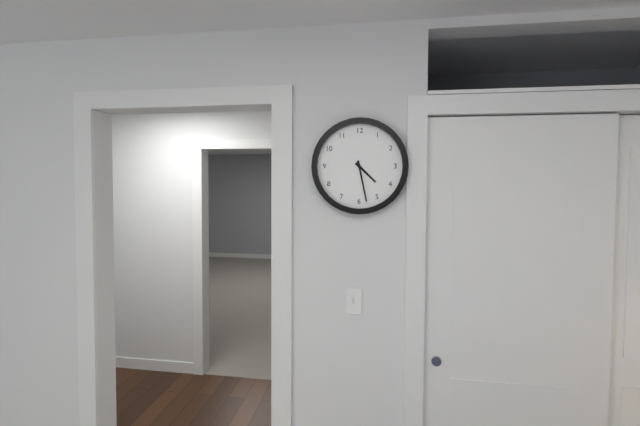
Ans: 4:28
